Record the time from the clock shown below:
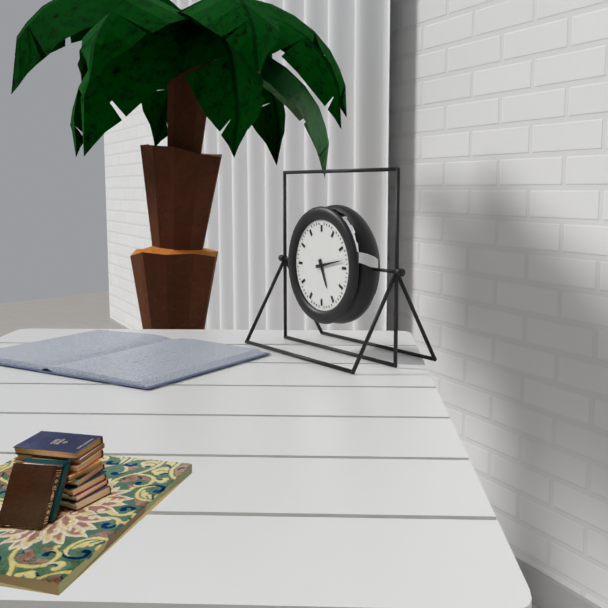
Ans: 5:13
